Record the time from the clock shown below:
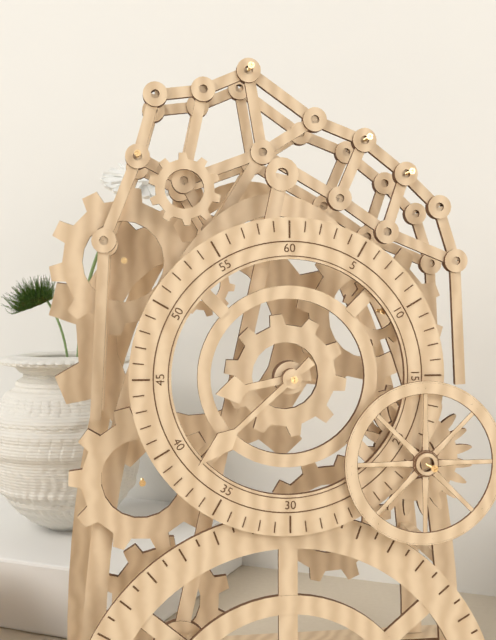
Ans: 8:38
